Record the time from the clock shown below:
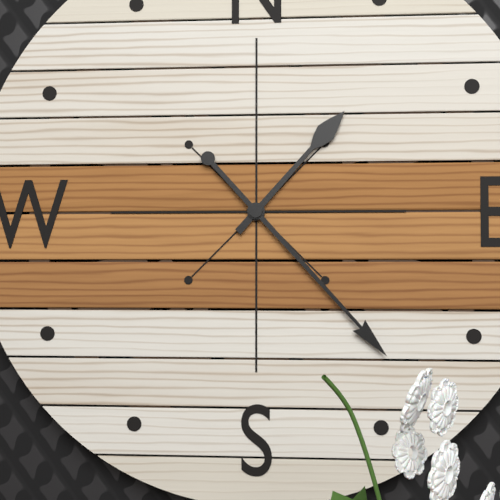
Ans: 1:23
